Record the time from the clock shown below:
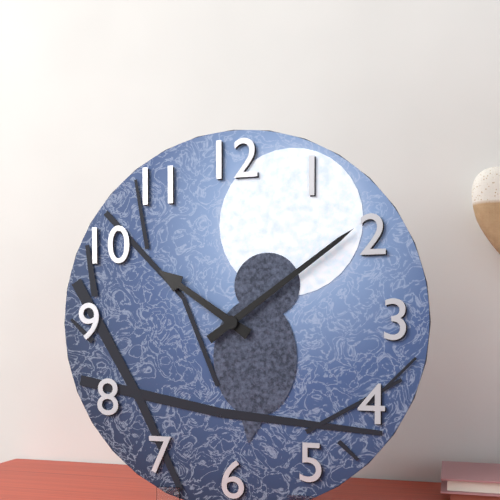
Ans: 10:09
